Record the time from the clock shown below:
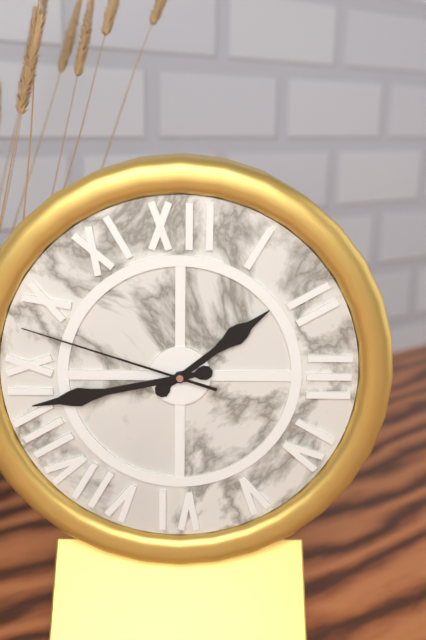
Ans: 1:43:48
